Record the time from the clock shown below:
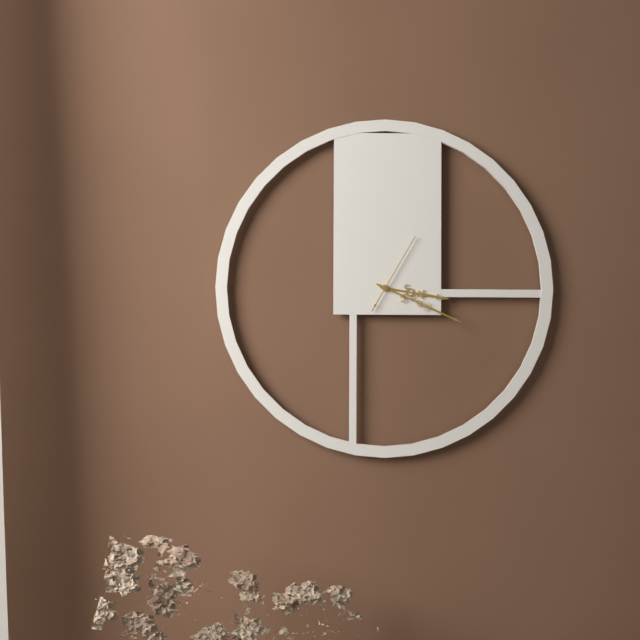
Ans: 3:19:05
